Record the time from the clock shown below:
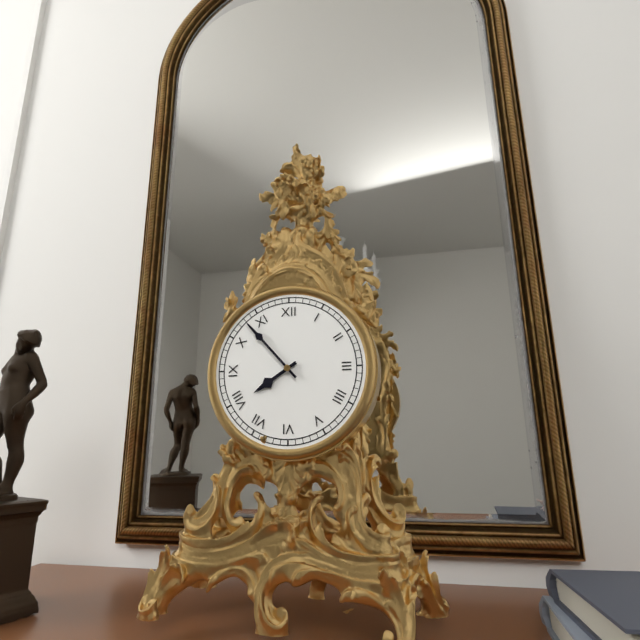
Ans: 7:53
